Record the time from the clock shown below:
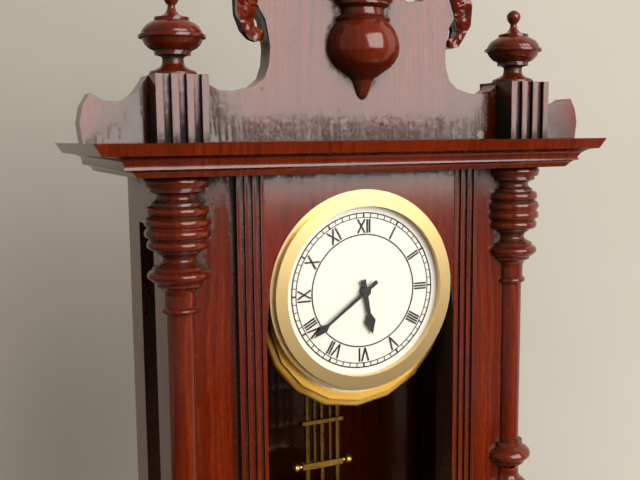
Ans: 5:39
